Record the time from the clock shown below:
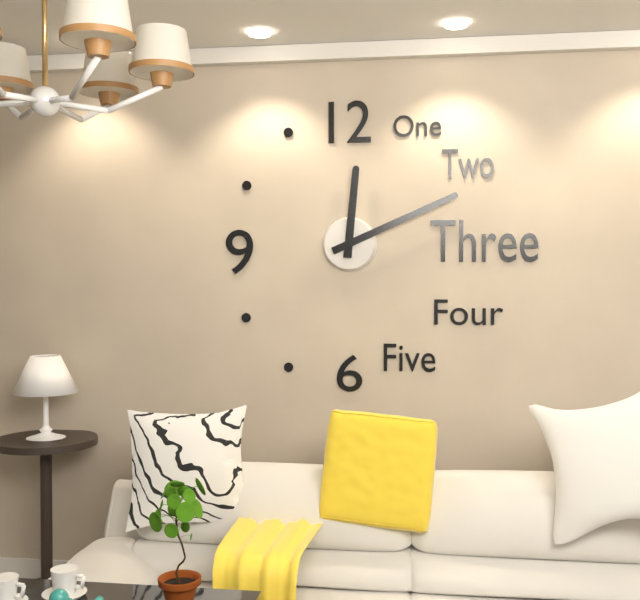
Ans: 12:11
